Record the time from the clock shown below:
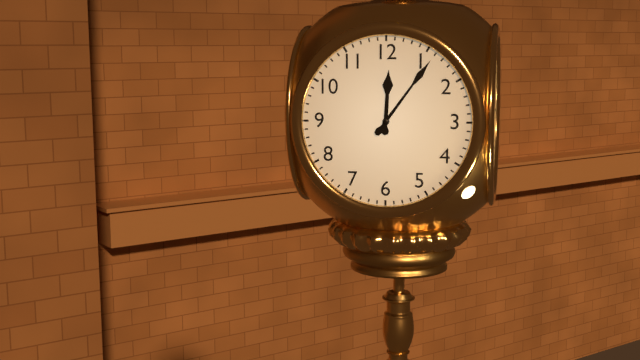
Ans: 12:06
